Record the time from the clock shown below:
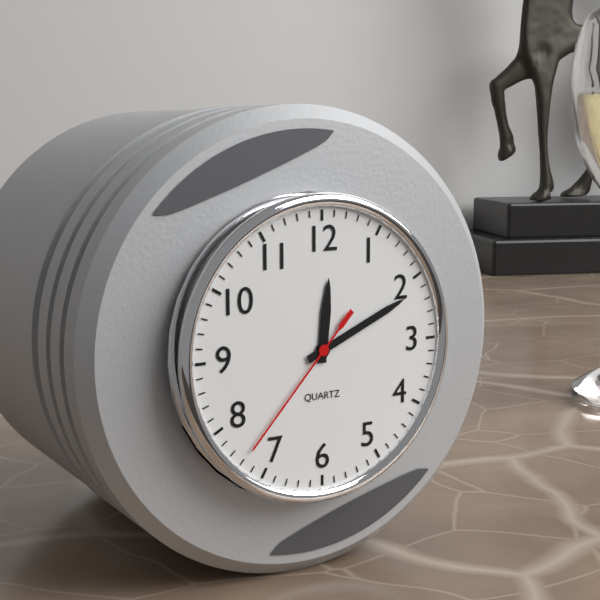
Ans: 12:11:37
